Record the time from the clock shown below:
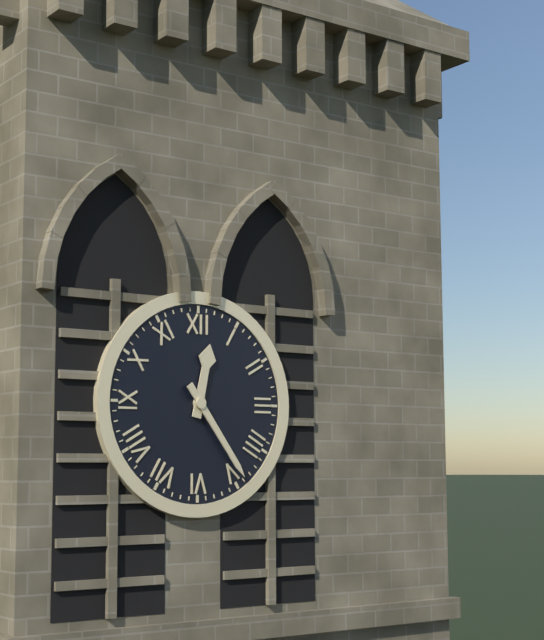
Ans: 12:24
